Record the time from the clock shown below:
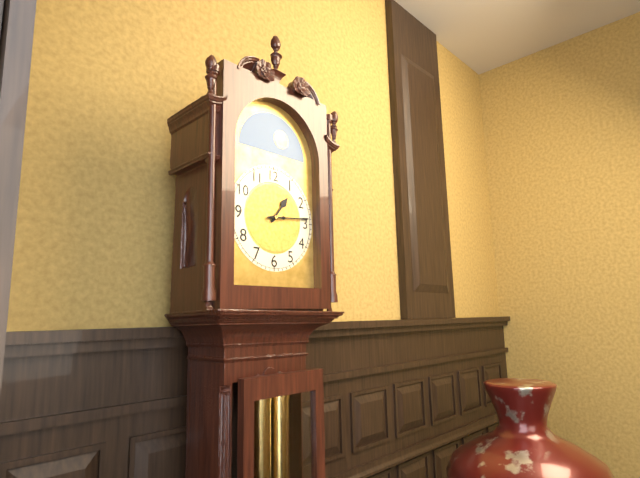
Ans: 1:14
